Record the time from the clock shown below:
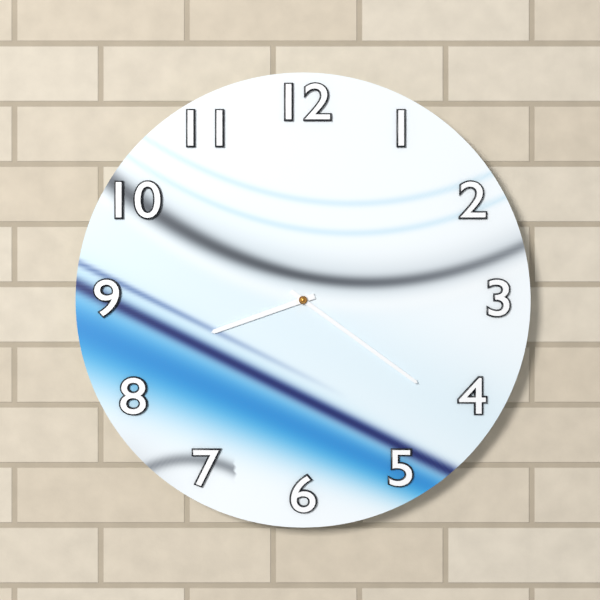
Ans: 8:21
